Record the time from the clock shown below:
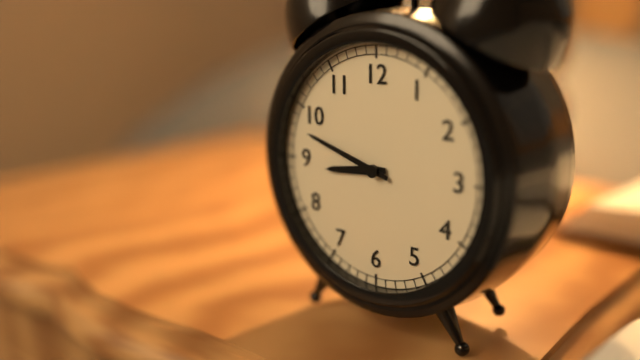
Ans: 8:48
